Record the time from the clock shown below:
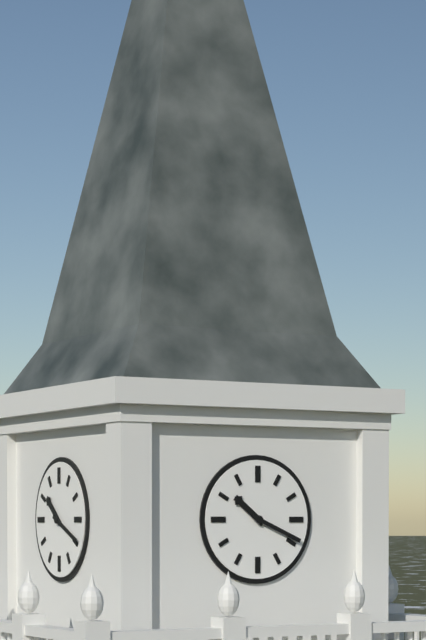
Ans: 10:19
